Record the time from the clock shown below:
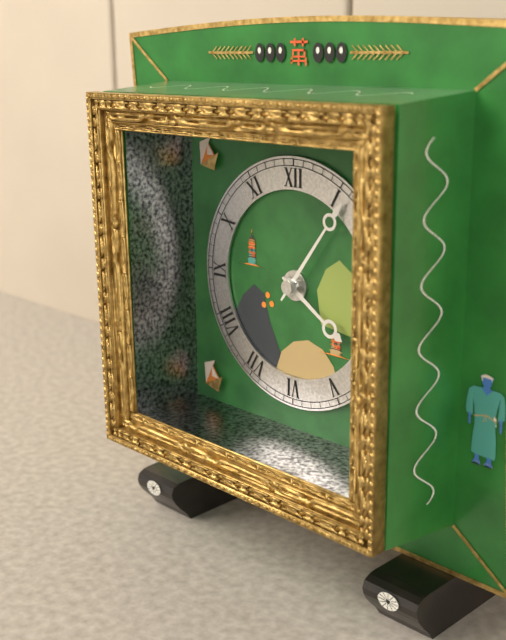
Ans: 4:06
